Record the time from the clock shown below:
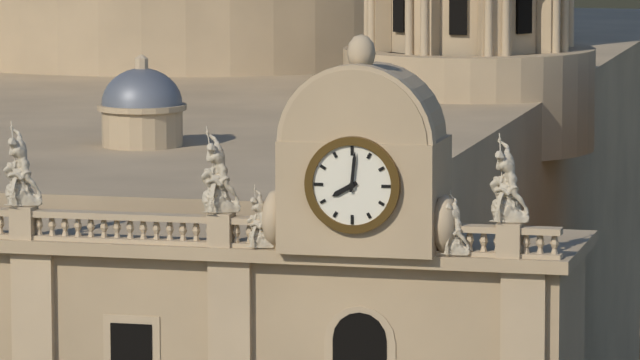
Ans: 8:01
